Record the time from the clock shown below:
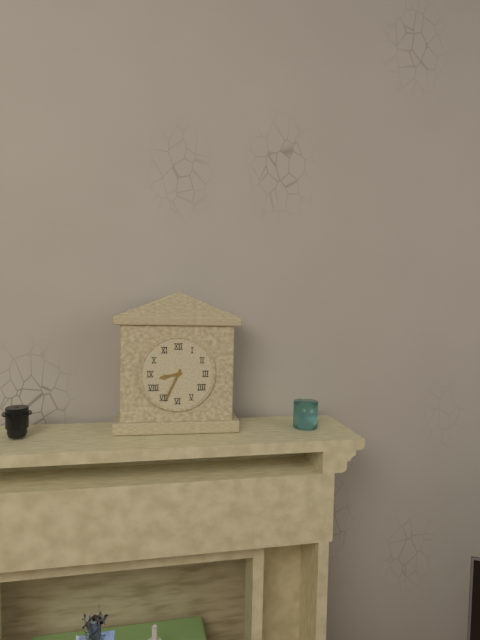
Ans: 8:34
